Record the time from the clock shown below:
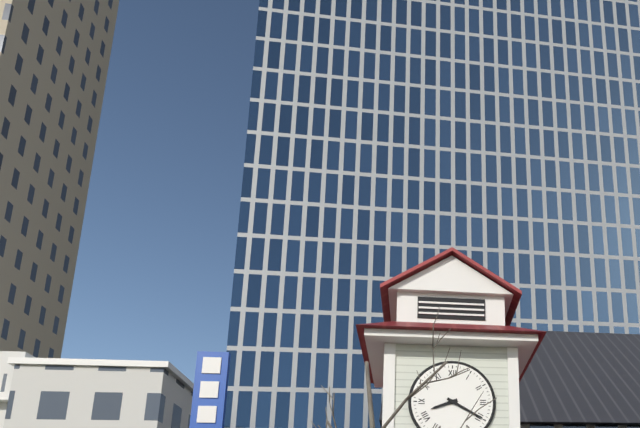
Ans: 8:20
